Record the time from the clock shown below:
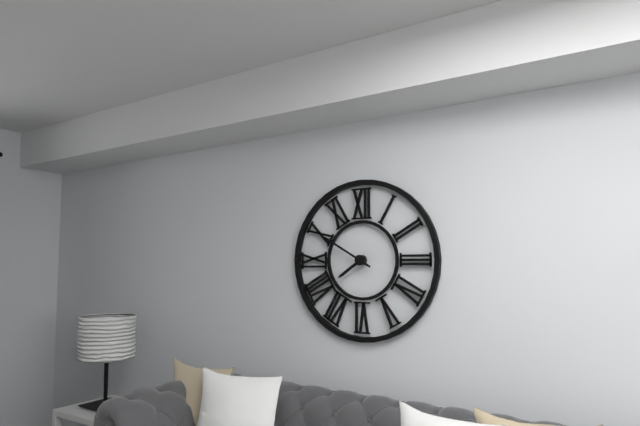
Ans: 7:50
